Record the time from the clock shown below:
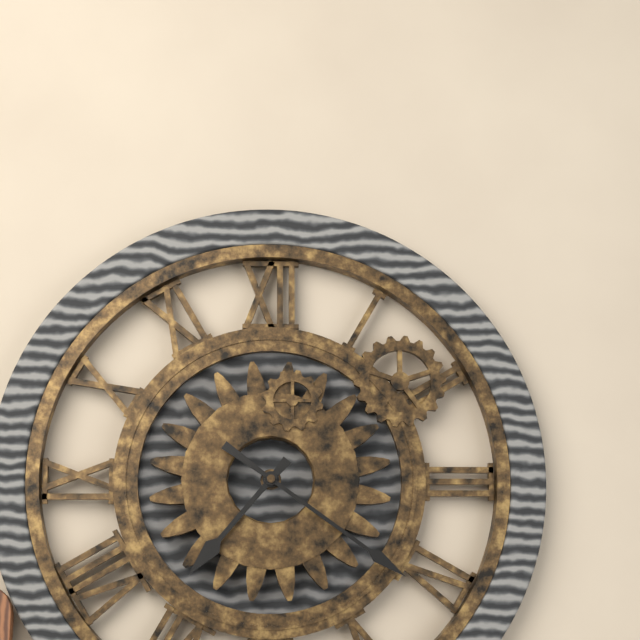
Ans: 7:21
